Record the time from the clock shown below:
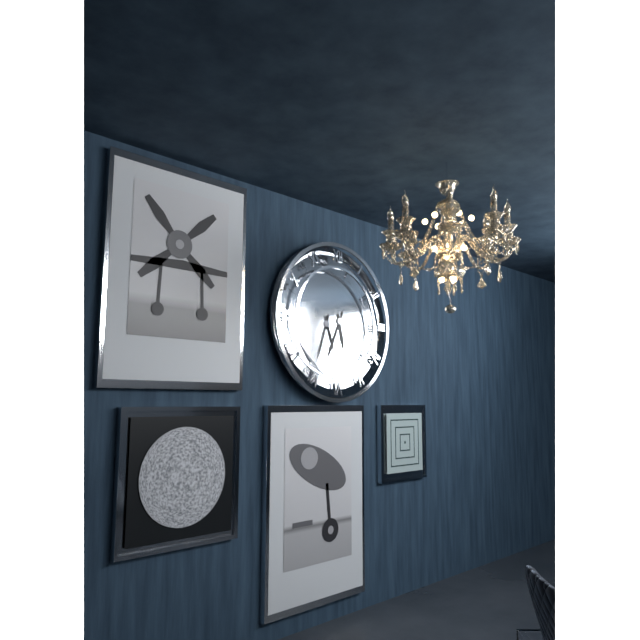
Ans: 5:34
